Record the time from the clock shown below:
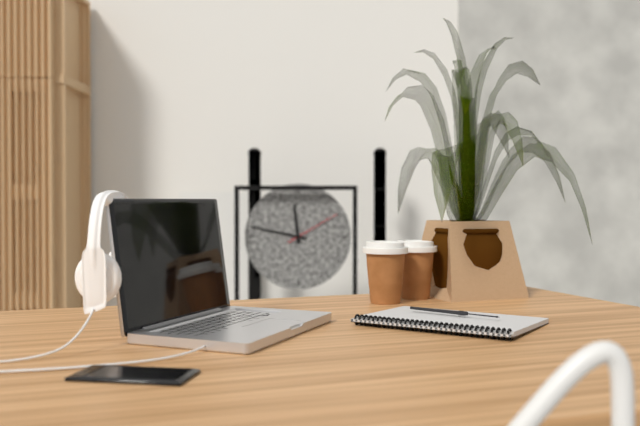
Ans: 11:47:10
